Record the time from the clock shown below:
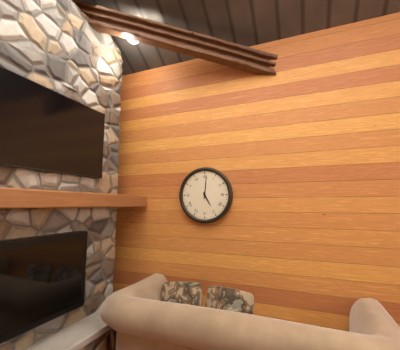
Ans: 5:01
